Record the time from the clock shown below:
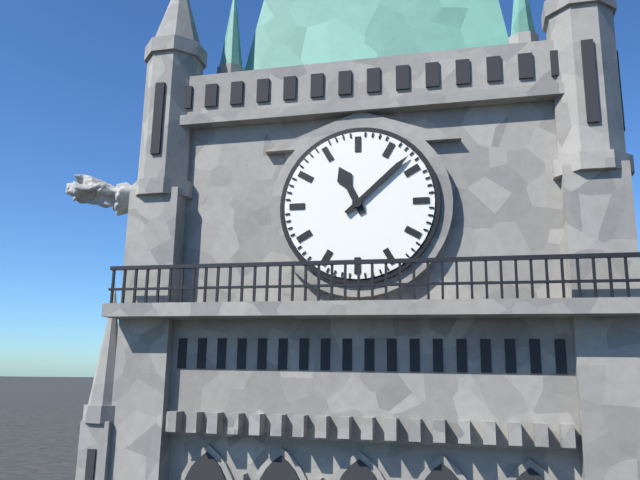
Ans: 11:08
